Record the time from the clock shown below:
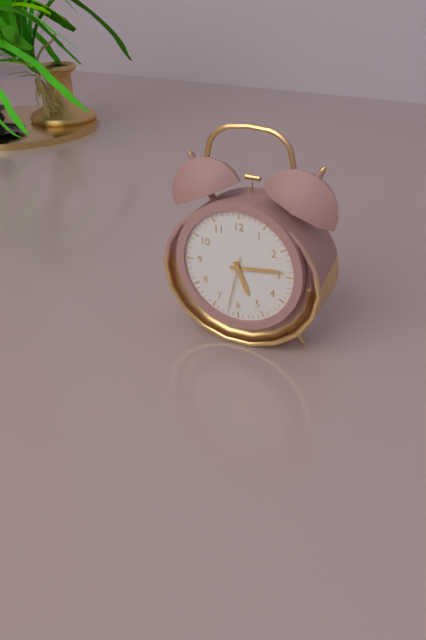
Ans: 5:14:32
